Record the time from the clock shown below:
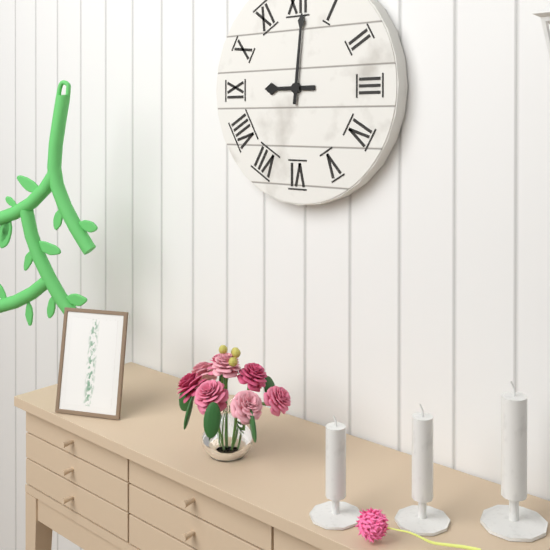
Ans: 9:01
